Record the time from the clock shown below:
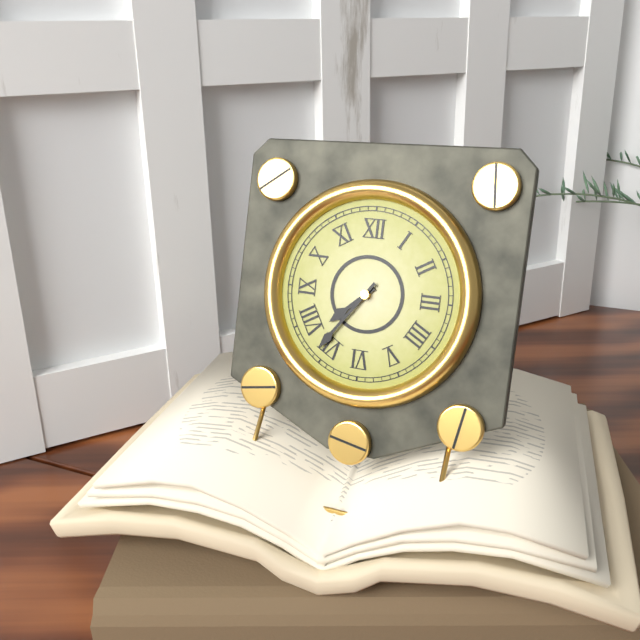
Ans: 7:36
